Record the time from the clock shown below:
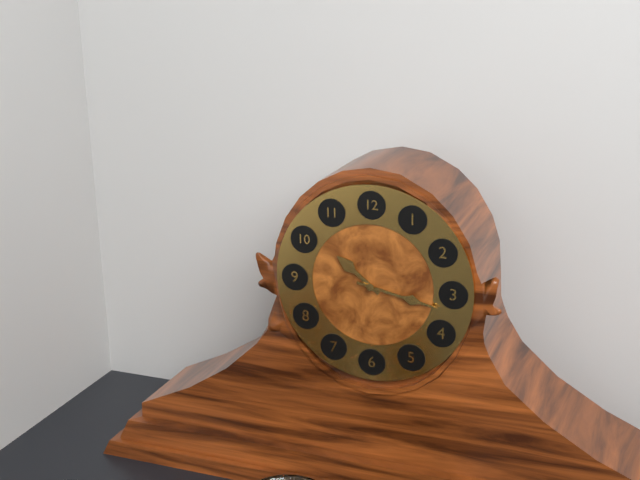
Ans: 10:17
